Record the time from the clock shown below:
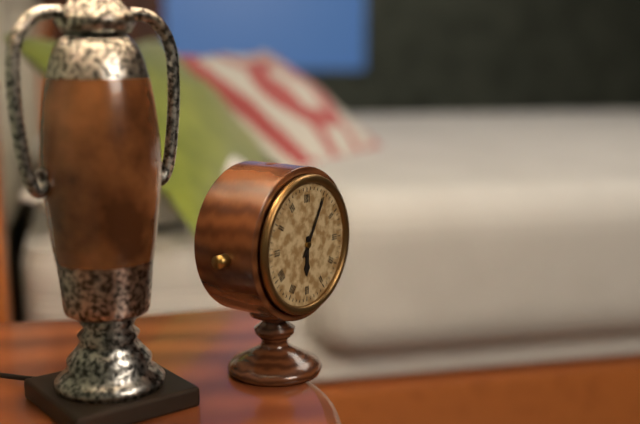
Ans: 6:05
